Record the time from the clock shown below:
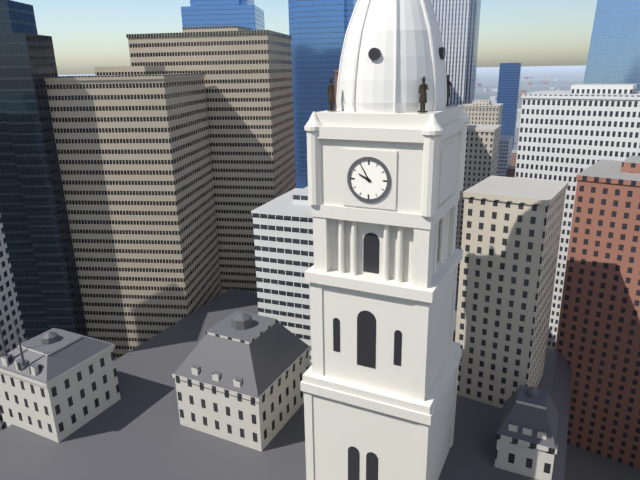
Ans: 9:55
